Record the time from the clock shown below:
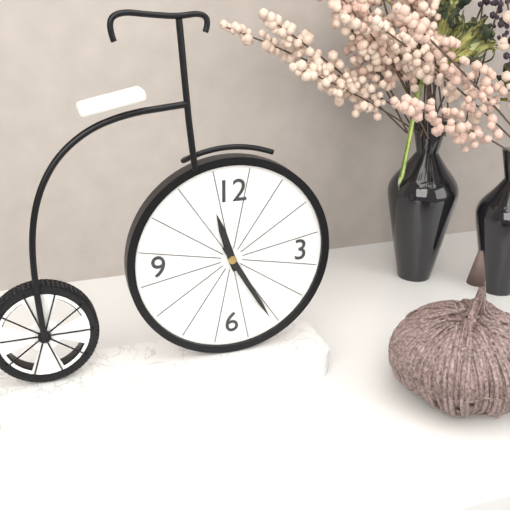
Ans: 11:25
